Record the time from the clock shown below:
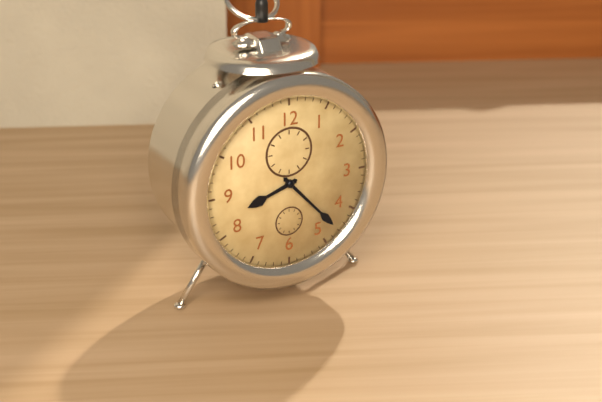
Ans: 8:23
